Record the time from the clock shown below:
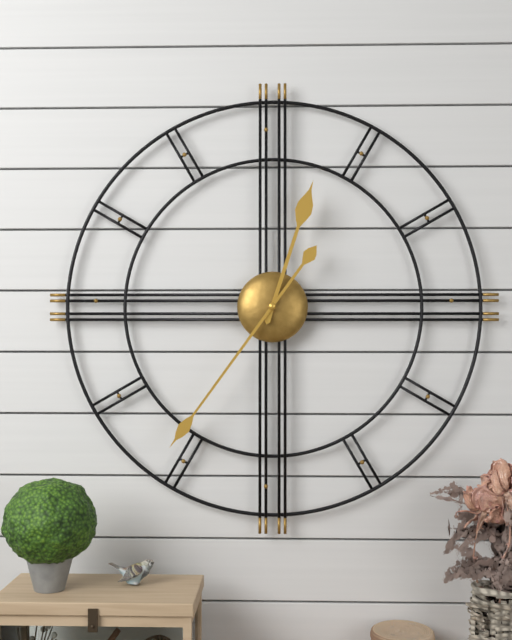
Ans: 12:36
